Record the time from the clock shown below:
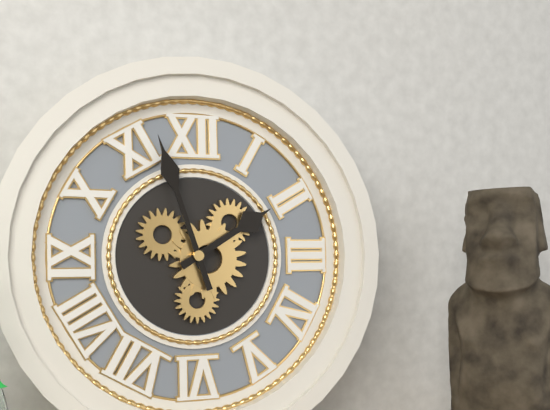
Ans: 1:57
